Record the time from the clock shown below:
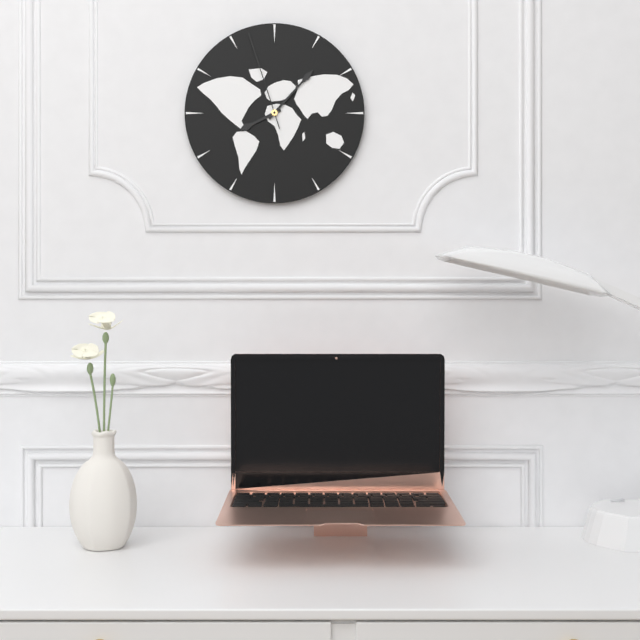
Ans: 8:07:57
